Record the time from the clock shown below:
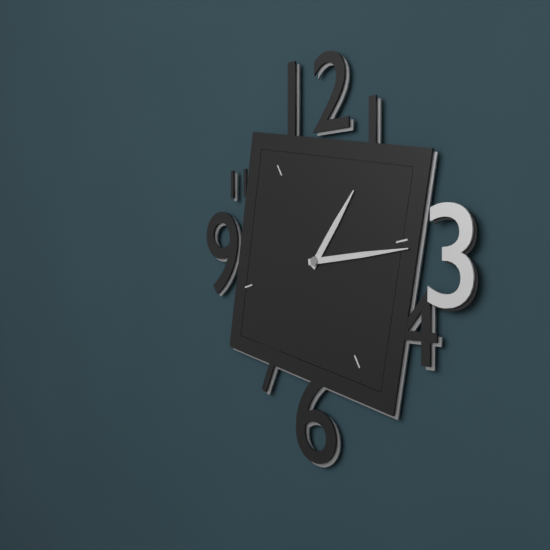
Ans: 1:14
